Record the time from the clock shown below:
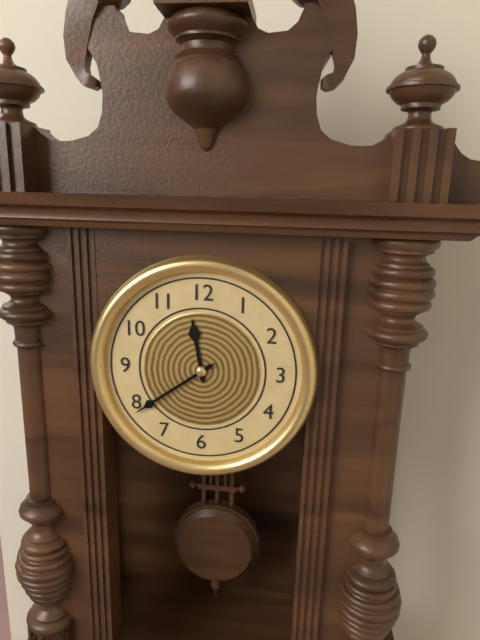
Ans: 11:39
